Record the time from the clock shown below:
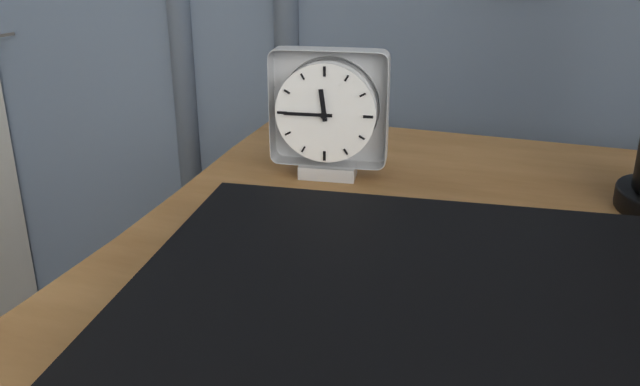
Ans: 11:45
